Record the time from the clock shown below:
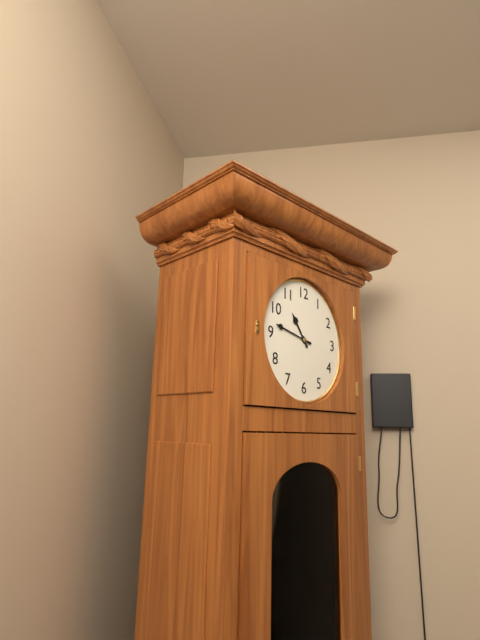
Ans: 10:47
